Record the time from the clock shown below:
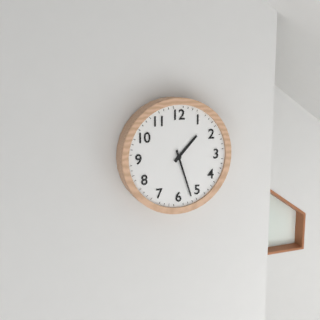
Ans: 1:27
